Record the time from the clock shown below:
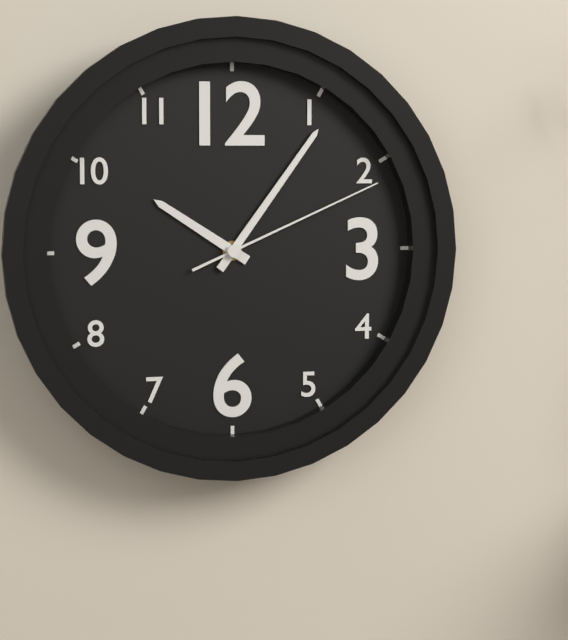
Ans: 10:06:11
